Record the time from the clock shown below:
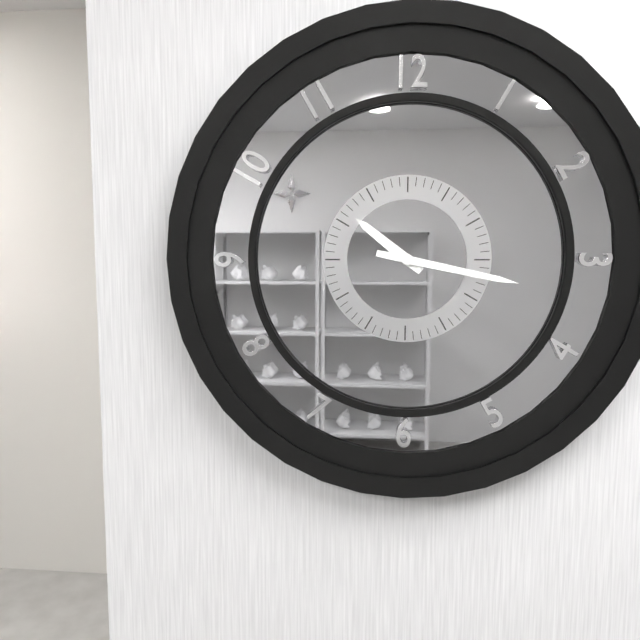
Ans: 10:17
